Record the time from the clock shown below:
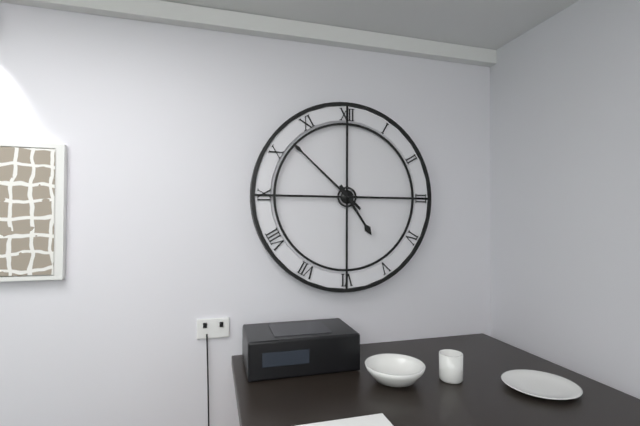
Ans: 4:52
